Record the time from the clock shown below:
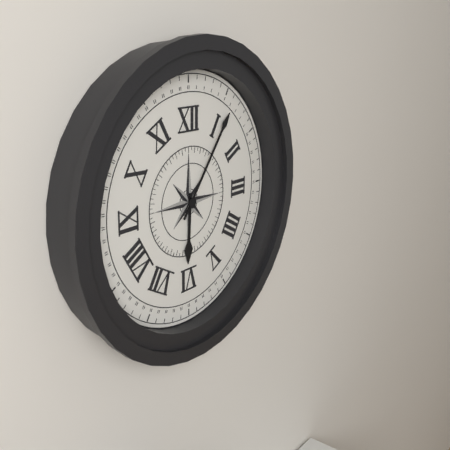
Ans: 6:06
